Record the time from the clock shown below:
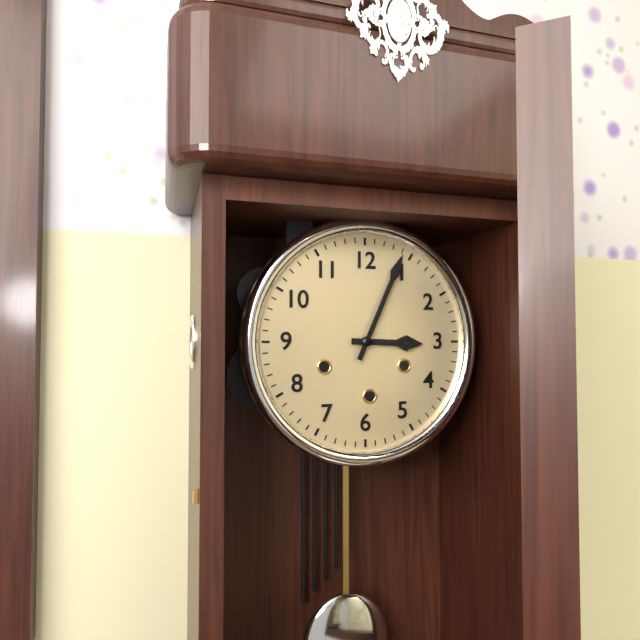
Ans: 3:04
